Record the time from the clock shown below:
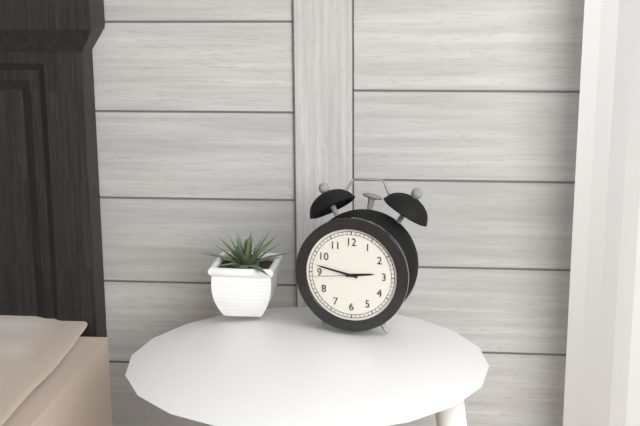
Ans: 2:47
